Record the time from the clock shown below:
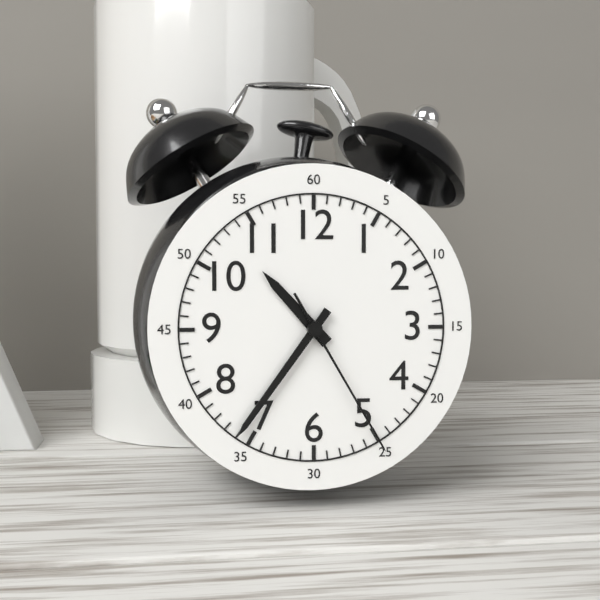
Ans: 10:36:25
